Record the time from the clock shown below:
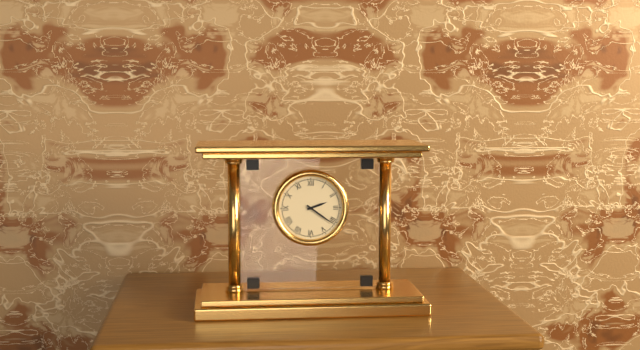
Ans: 2:21
